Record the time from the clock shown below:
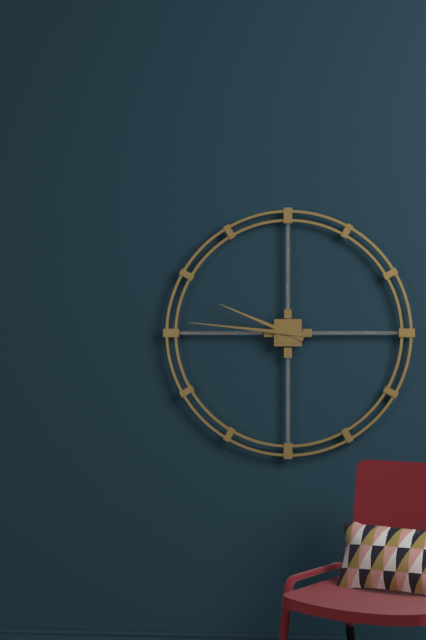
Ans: 9:46
